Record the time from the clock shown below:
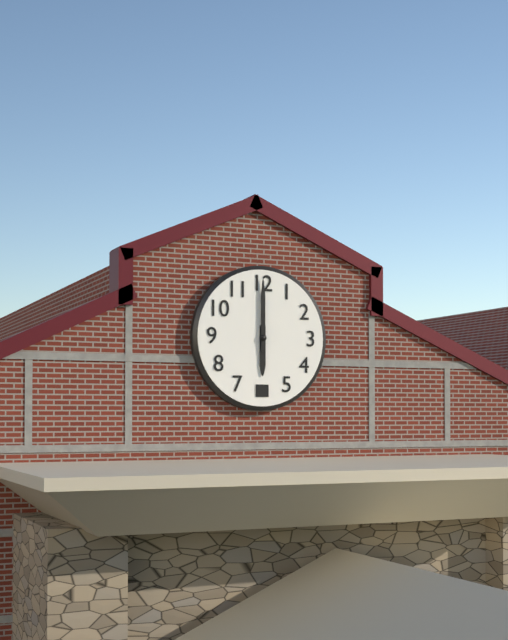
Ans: 6:00
